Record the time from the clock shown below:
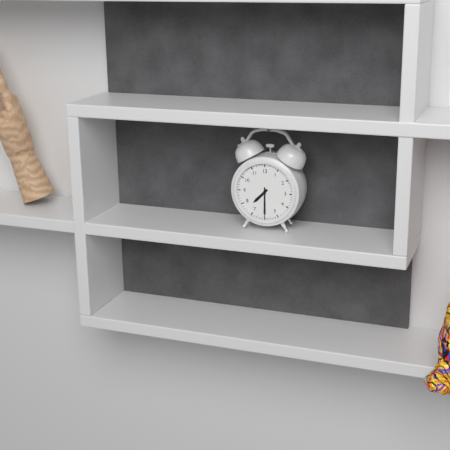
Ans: 7:30
